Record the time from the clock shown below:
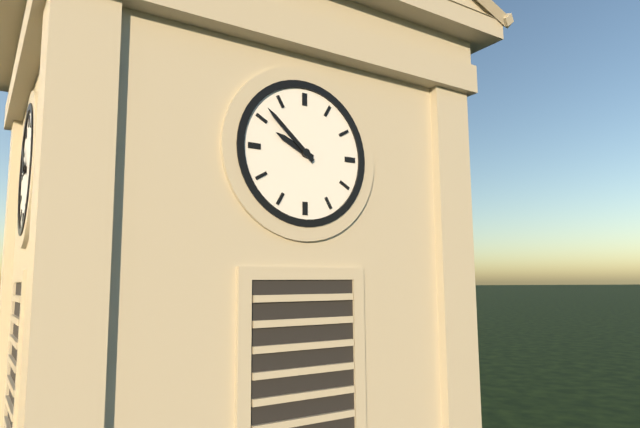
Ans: 9:52
